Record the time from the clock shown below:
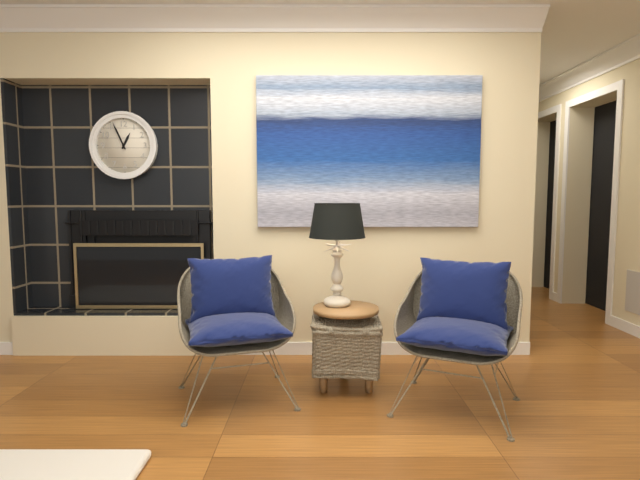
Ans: 12:56
